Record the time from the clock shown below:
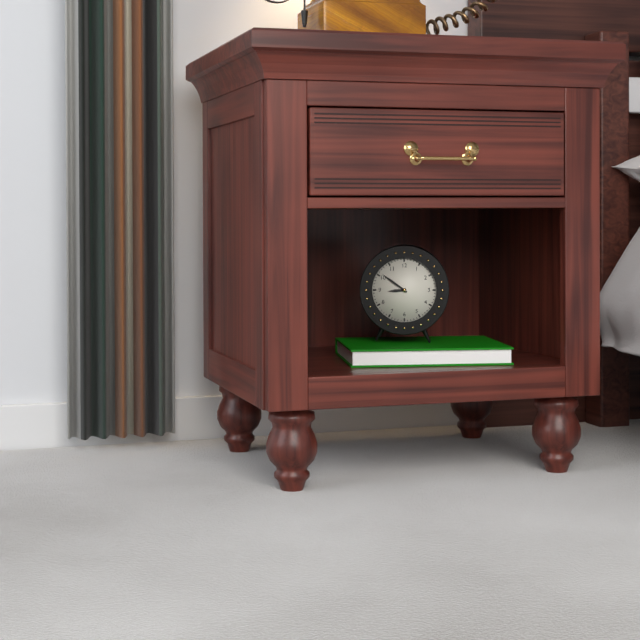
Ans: 8:51
